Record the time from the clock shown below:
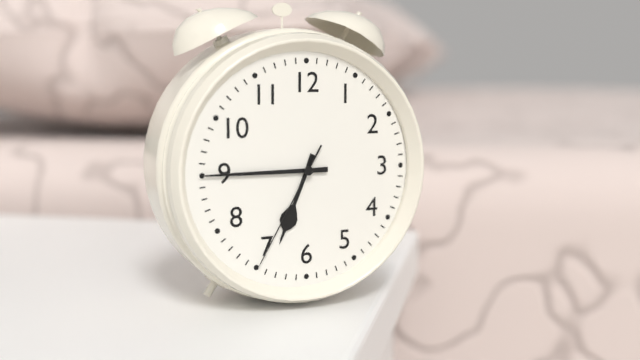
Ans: 6:45:35
